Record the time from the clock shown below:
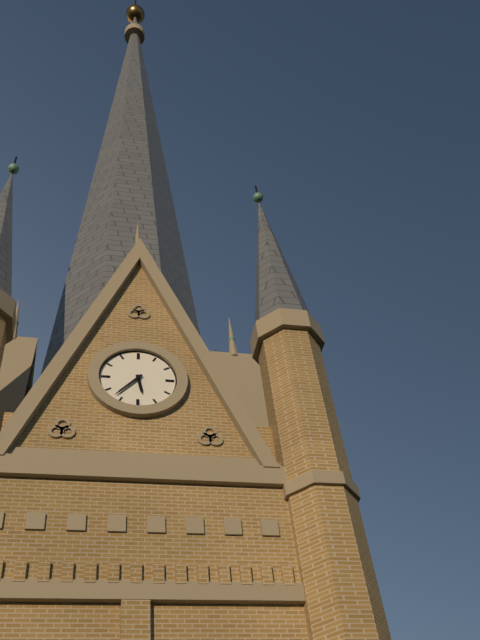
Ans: 5:37
